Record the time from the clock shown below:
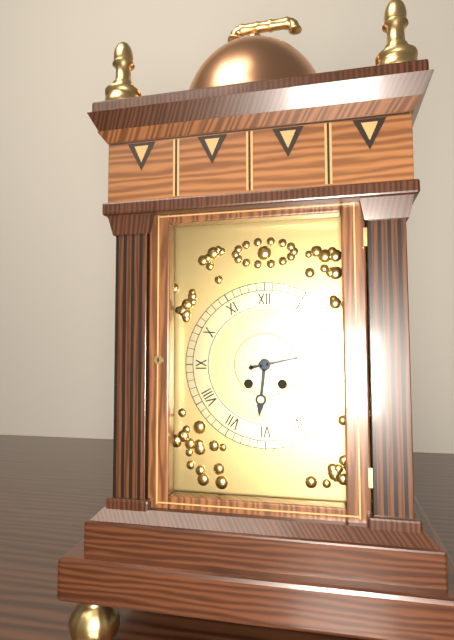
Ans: 6:13
